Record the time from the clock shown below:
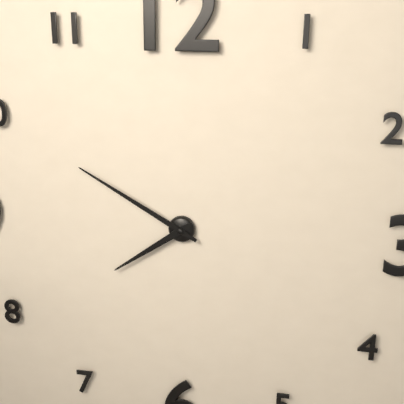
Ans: 7:50
